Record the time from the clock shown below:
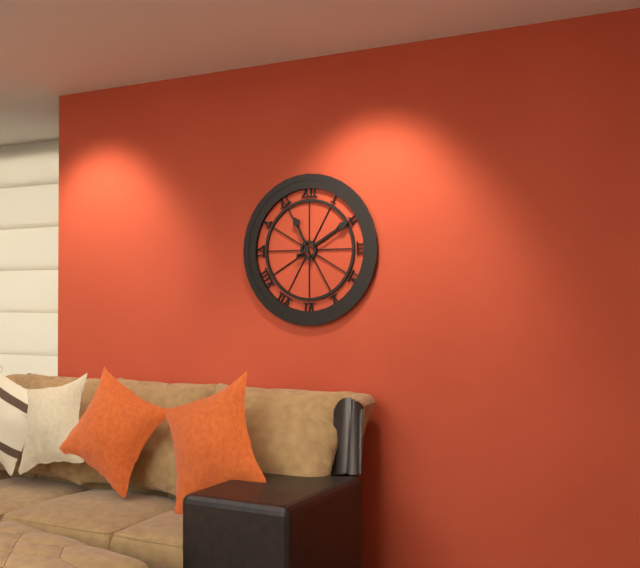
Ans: 11:10
